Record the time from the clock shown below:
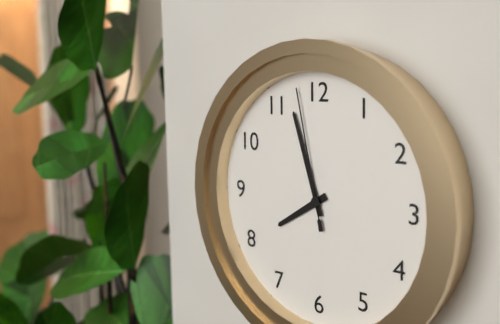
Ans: 7:57:58
